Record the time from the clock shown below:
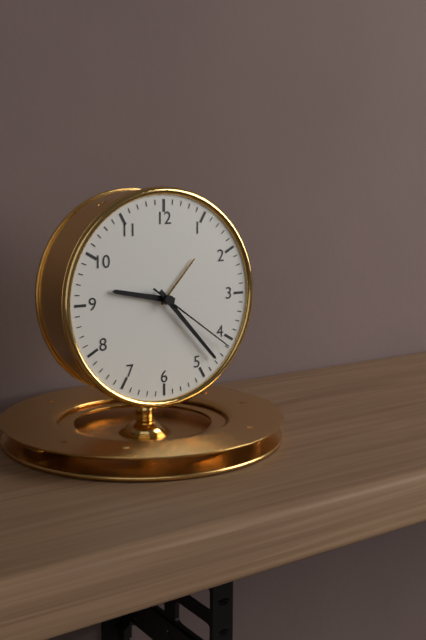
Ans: 9:23:21
